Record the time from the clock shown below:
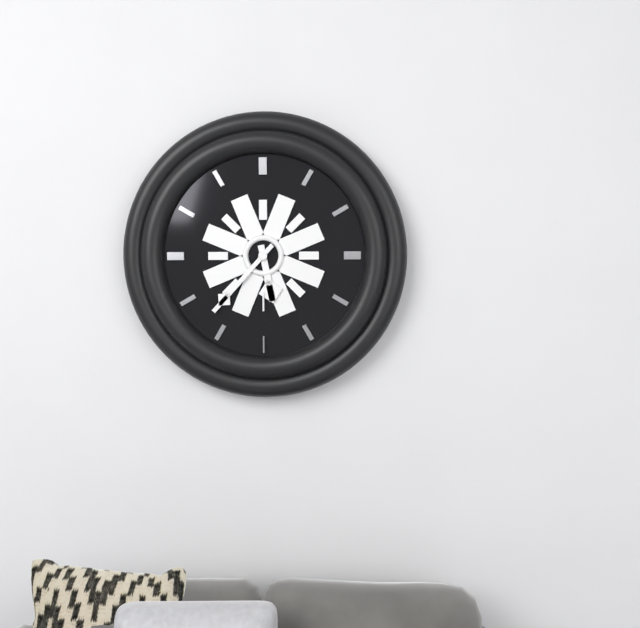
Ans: 5:37
